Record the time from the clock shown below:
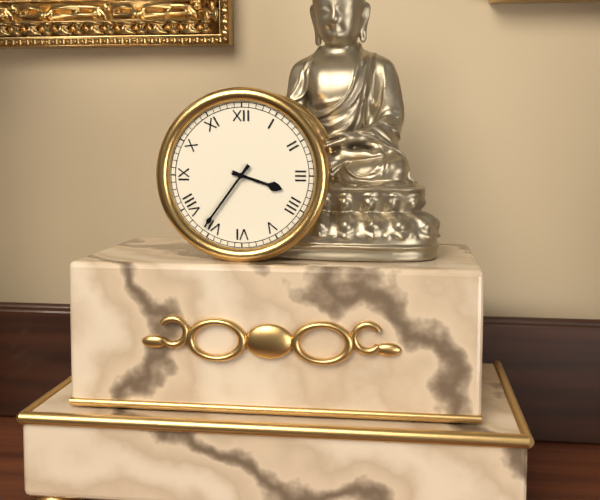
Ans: 3:36
